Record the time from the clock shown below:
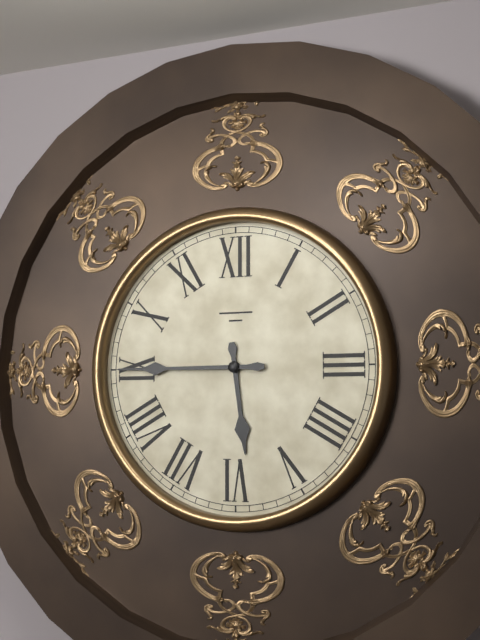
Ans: 5:45
